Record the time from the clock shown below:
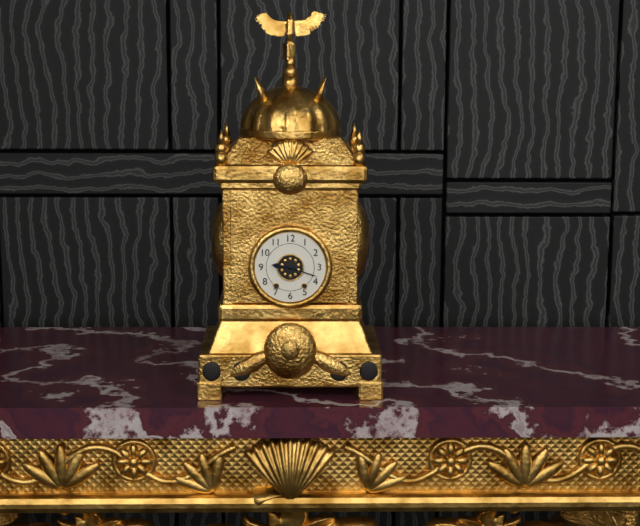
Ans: 9:18
